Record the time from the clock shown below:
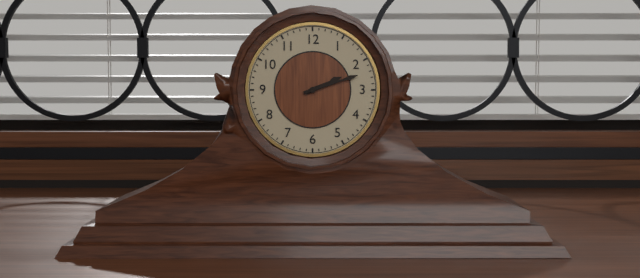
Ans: 2:12
